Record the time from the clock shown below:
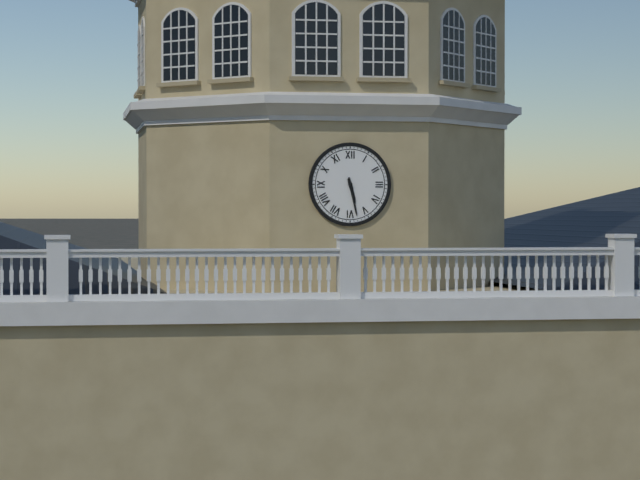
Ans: 5:28
